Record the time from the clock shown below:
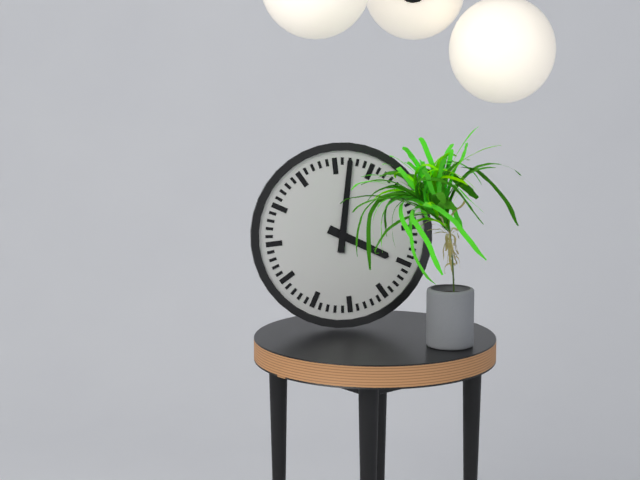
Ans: 4:02
